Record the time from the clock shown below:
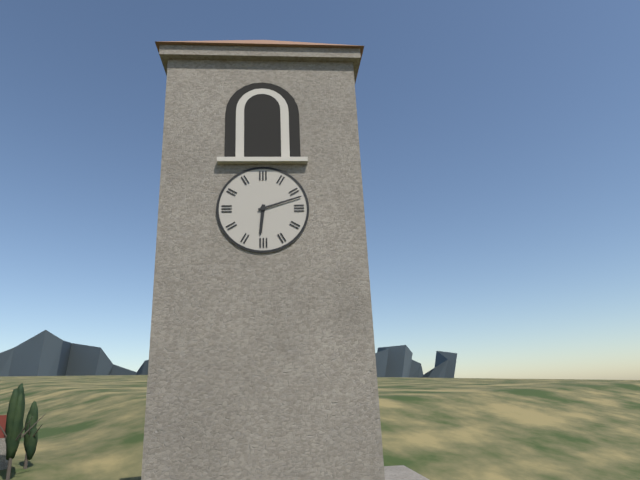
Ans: 6:12
